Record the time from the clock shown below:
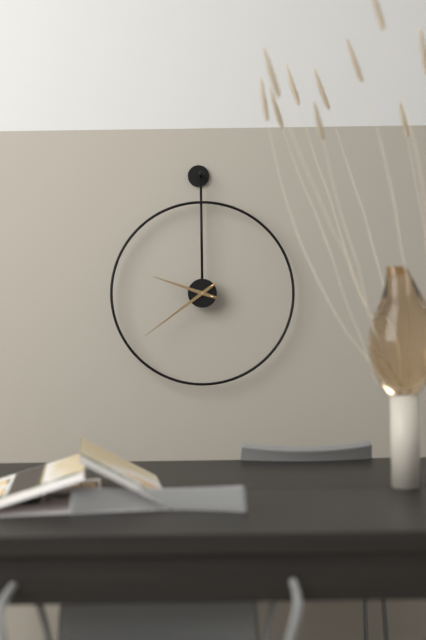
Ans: 9:39
